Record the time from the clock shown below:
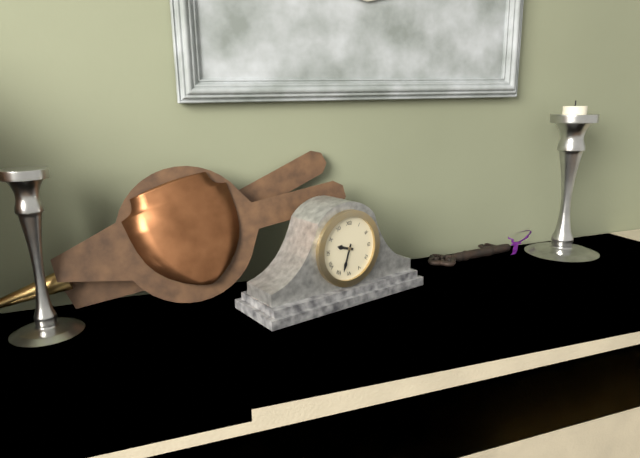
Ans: 9:33
